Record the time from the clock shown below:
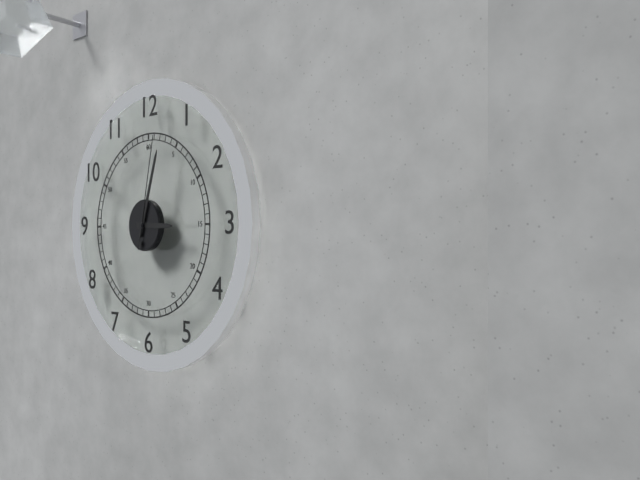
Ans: 3:03:02
